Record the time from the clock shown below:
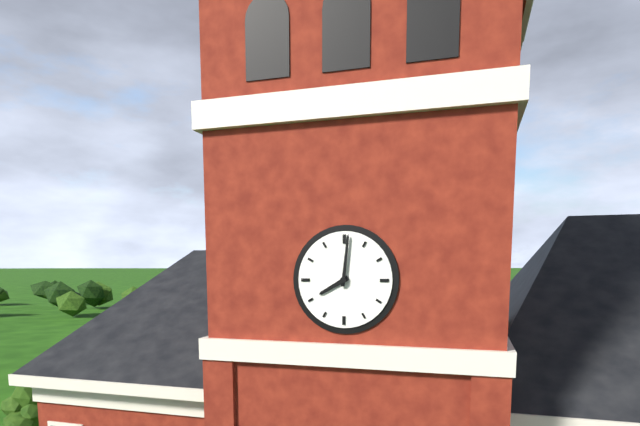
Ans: 8:01
